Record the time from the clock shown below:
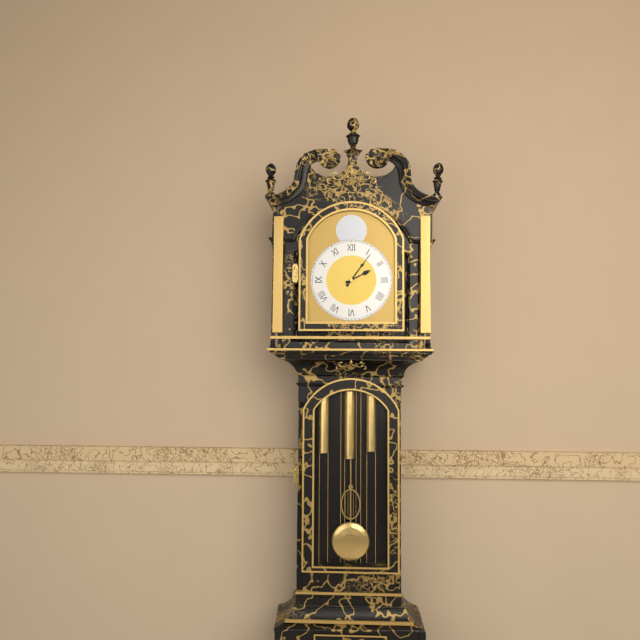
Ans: 2:06
